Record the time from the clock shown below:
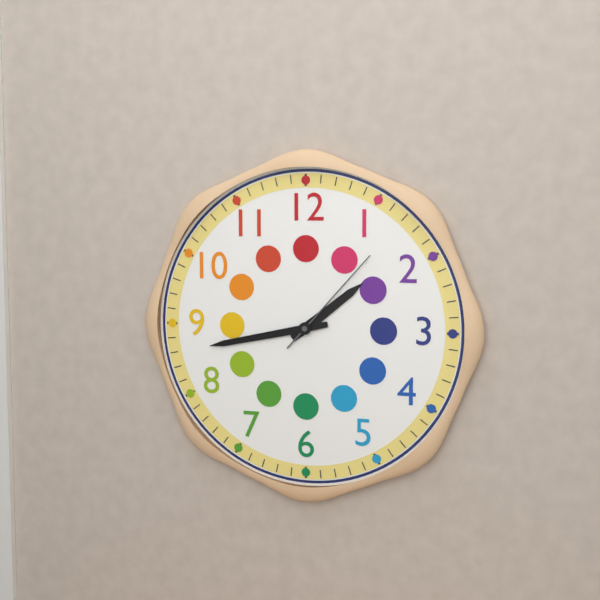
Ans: 1:43:07
